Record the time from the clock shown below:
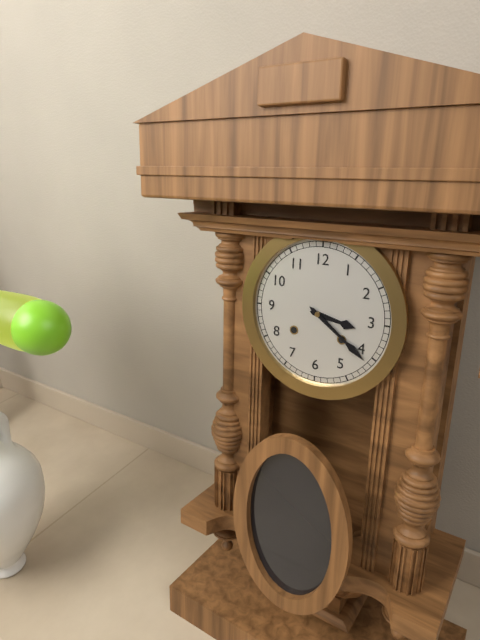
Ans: 3:21
